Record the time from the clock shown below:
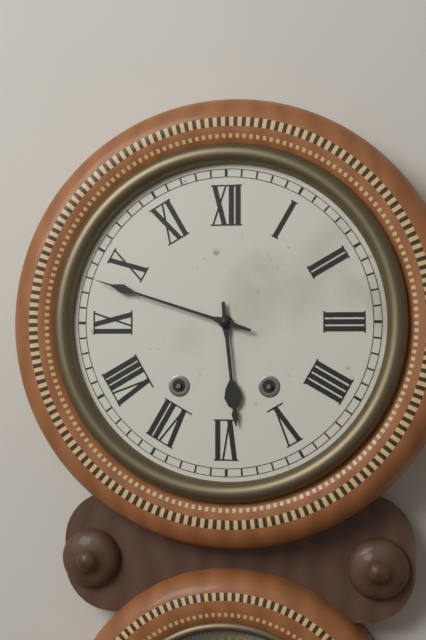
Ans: 5:48
